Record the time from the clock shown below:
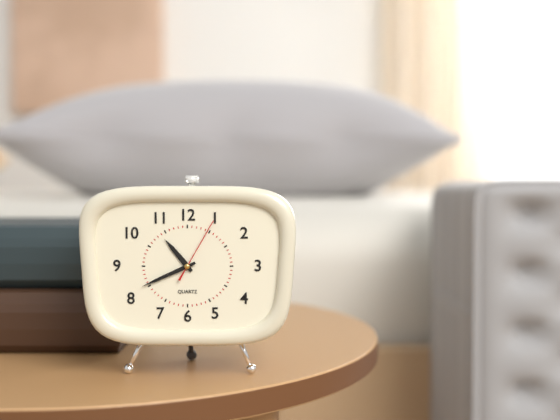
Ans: 10:41:05
